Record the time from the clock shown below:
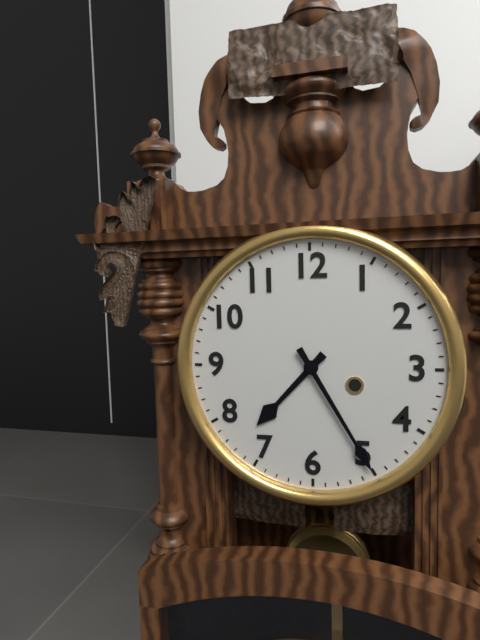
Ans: 7:25
